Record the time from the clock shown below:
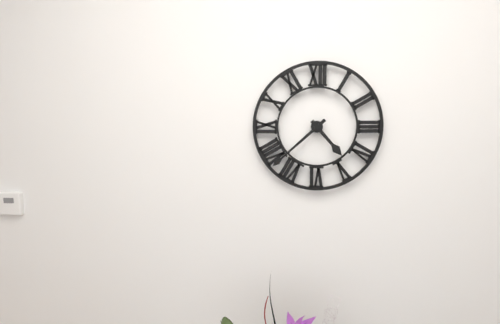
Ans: 4:38
